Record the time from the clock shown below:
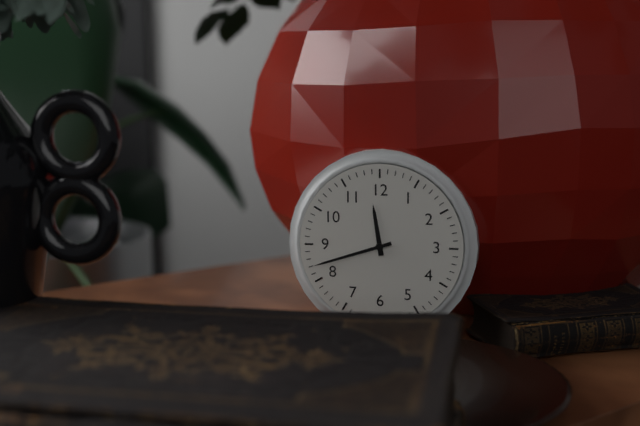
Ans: 11:42
